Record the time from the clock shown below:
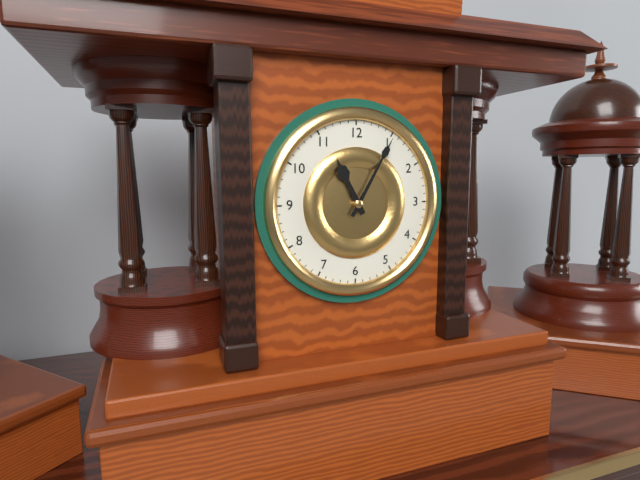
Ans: 11:05
